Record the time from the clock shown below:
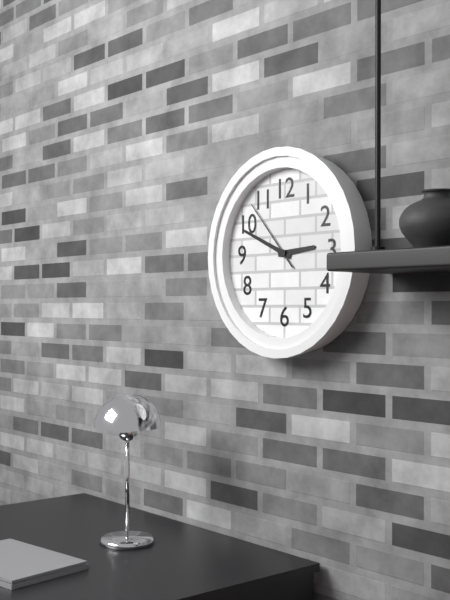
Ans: 2:49:53
